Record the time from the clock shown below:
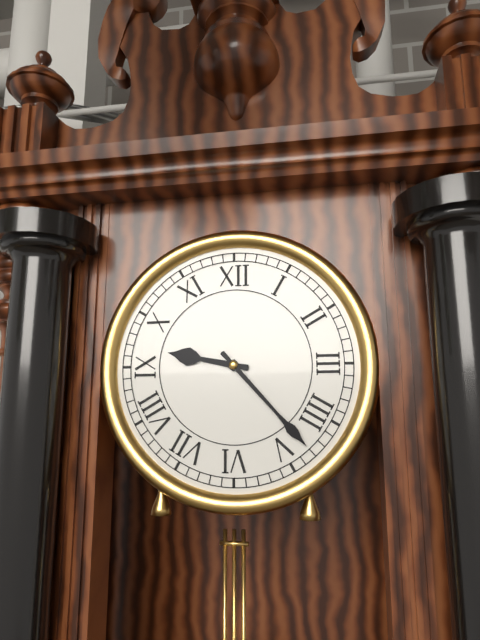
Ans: 9:23
